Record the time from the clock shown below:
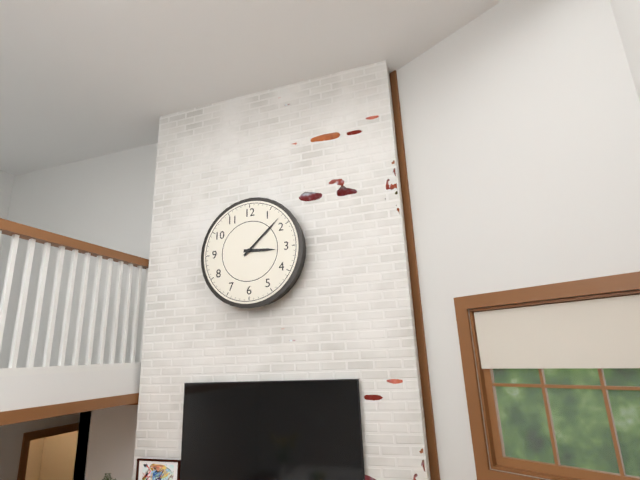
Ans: 3:08
